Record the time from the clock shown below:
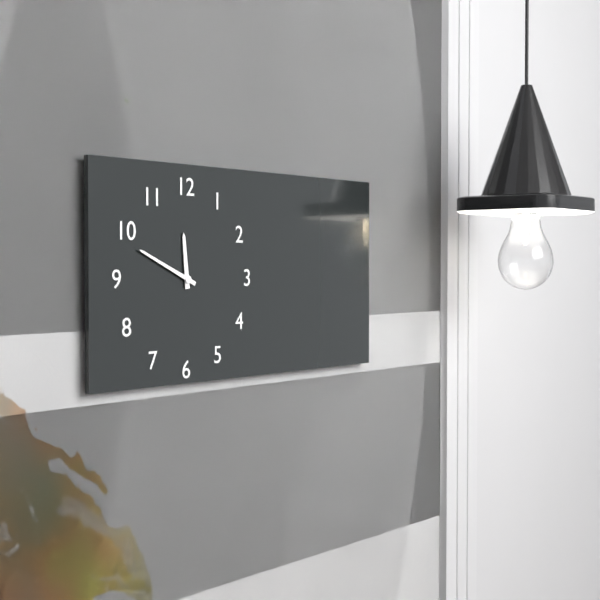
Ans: 11:49
